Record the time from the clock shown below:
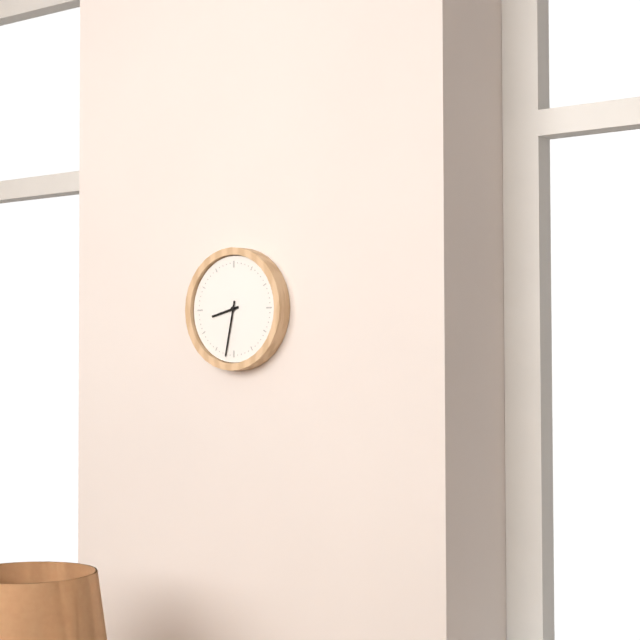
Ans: 8:32
